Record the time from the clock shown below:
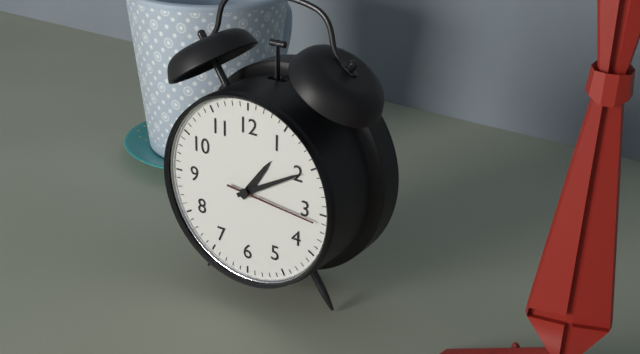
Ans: 1:10:16
